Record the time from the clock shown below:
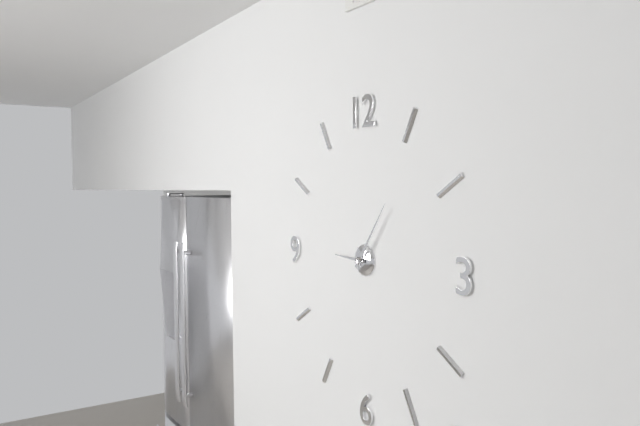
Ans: 9:06
